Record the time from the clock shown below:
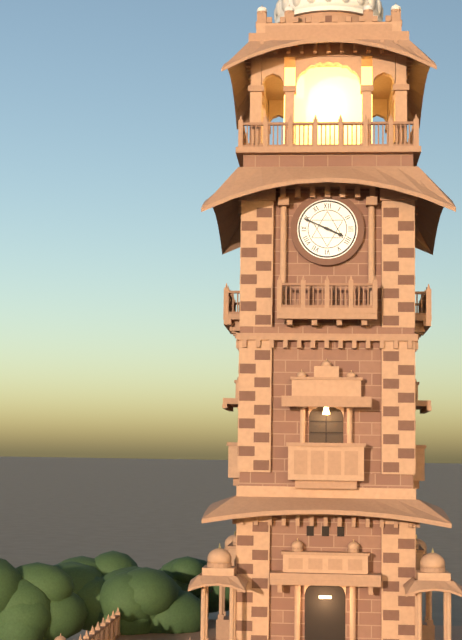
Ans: 3:49
